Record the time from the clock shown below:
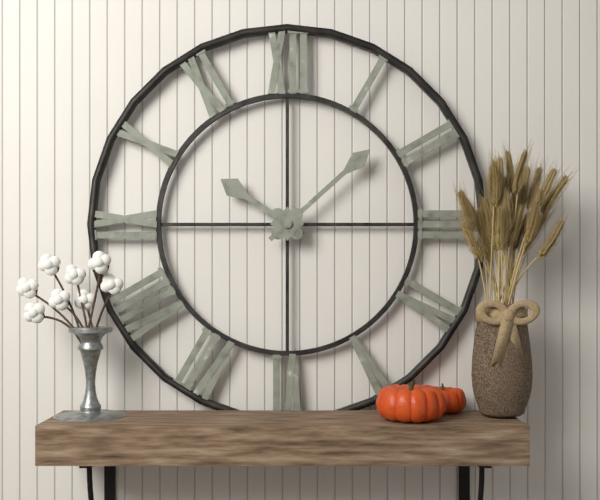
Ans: 10:08
